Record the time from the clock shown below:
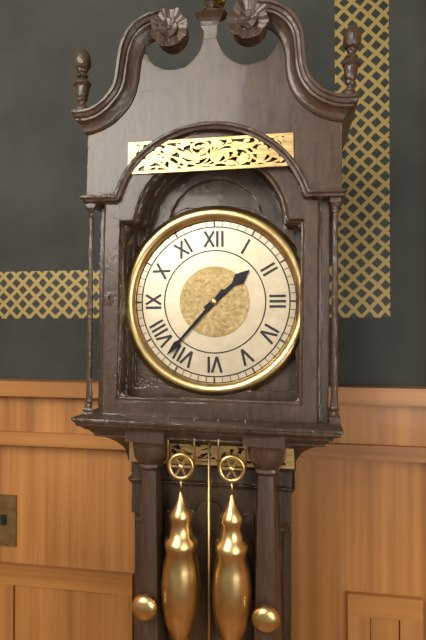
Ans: 1:37
